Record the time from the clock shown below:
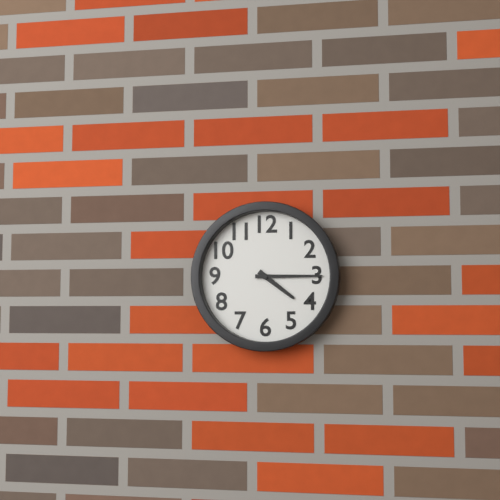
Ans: 4:15
